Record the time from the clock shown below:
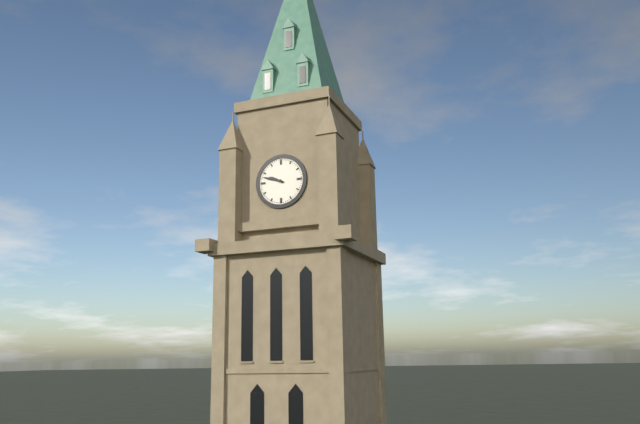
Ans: 9:48
